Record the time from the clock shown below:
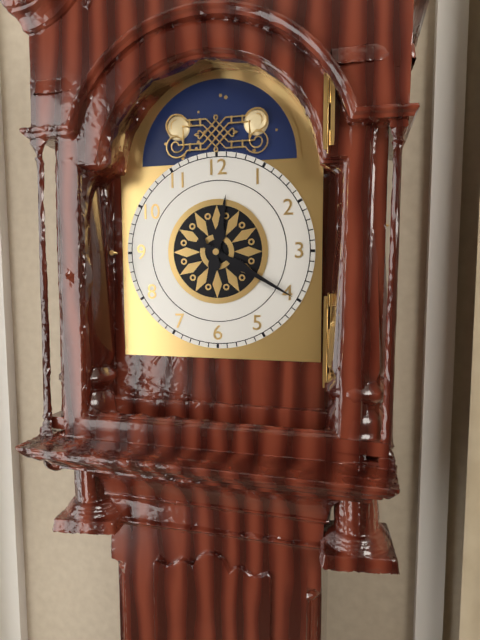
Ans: 12:20
